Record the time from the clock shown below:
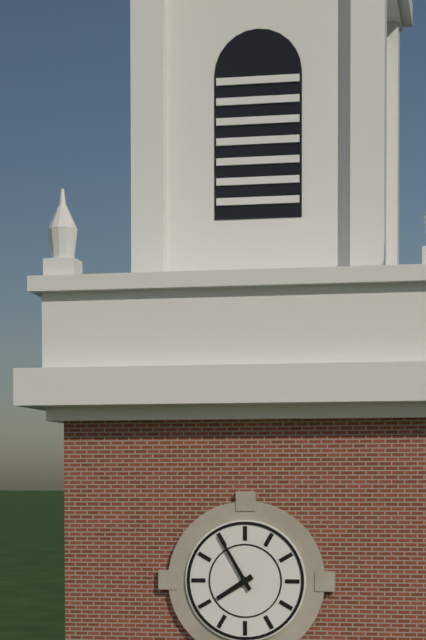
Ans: 7:55
